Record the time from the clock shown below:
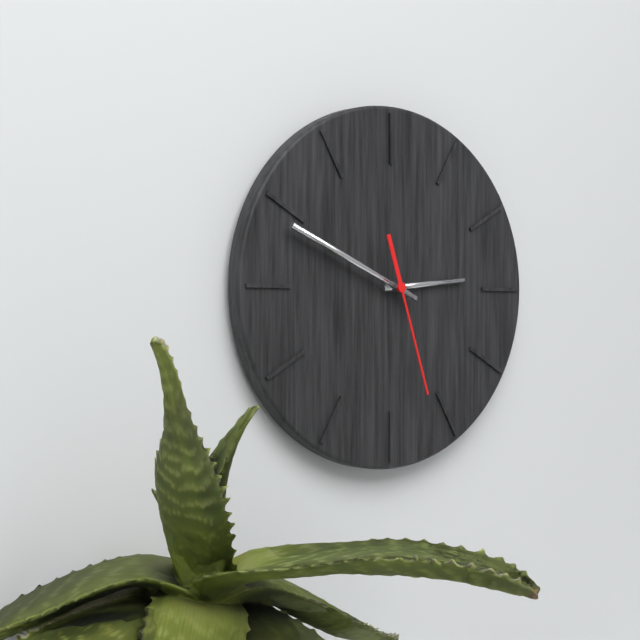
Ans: 2:49:27
